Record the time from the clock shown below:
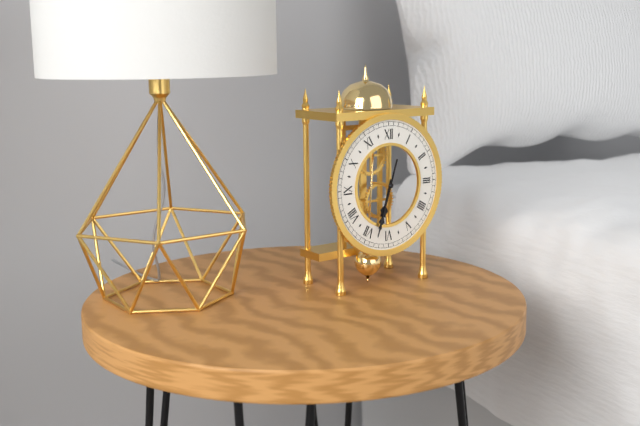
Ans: 6:33
